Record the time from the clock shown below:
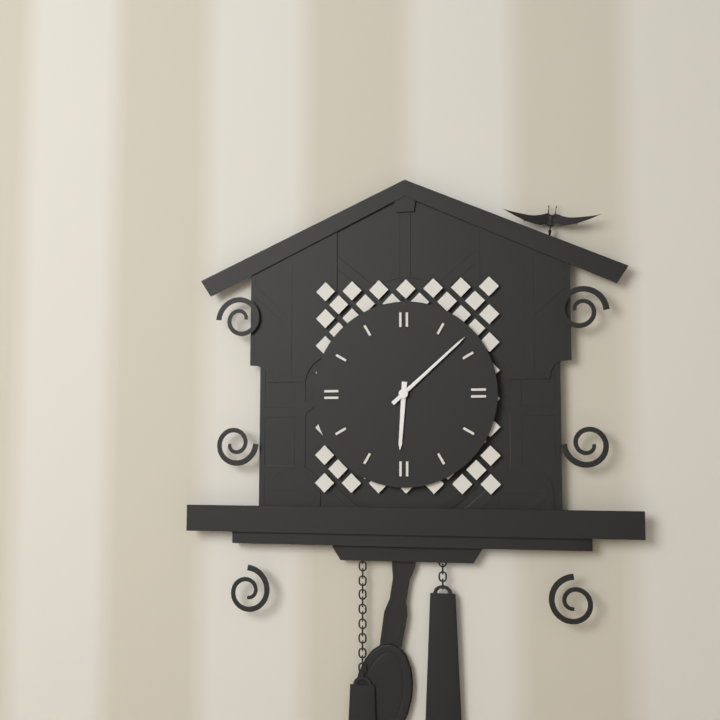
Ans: 6:08
